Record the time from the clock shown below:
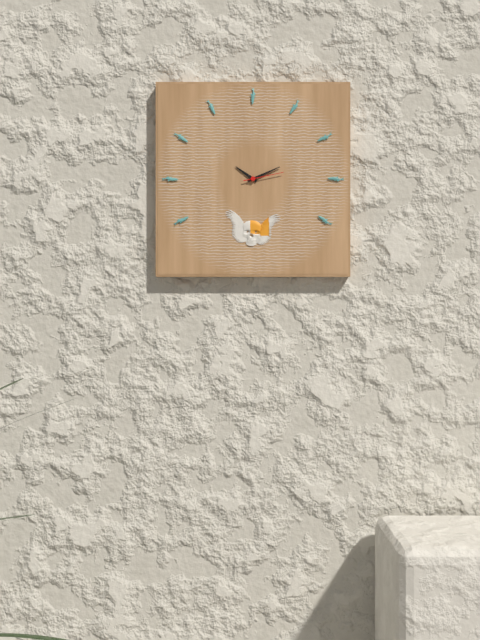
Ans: 10:11
